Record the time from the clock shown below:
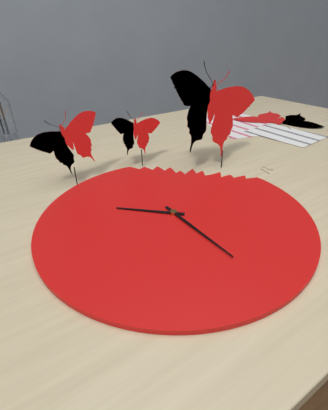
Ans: 10:30
